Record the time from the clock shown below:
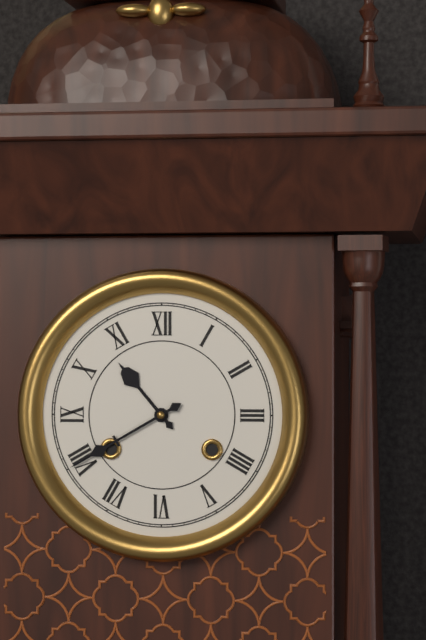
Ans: 10:40
